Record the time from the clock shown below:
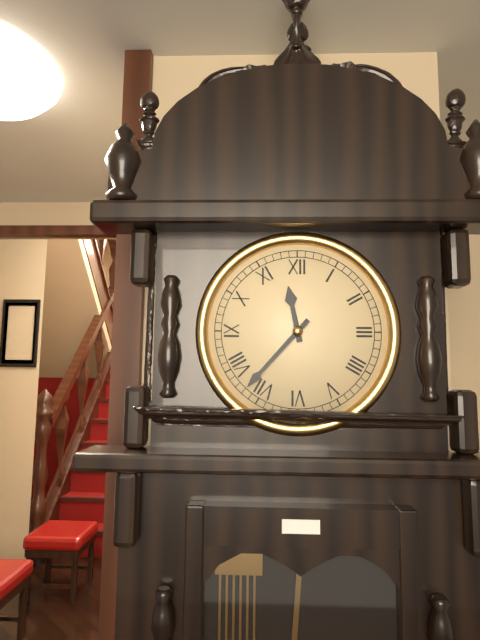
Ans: 11:37
